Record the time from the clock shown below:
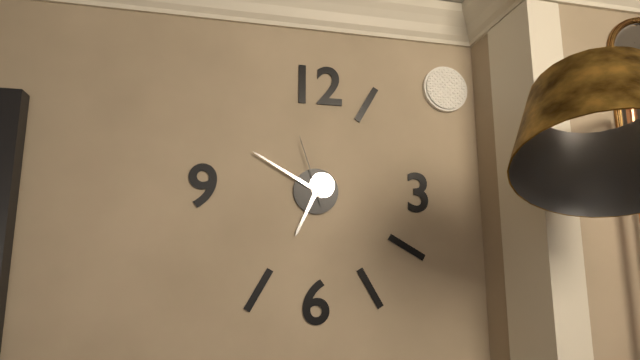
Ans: 6:50:57
